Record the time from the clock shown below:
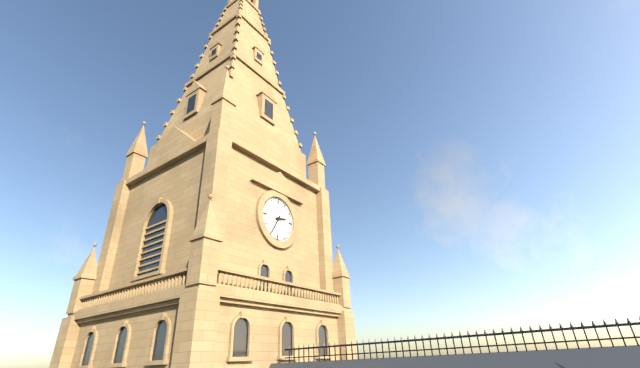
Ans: 2:35
